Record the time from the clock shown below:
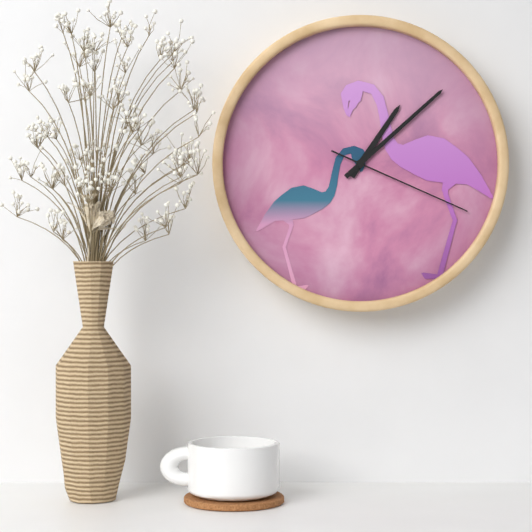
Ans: 1:08:19
